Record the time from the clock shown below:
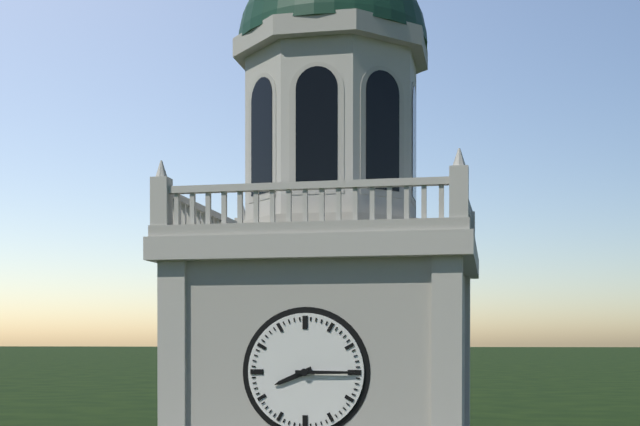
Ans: 8:15
